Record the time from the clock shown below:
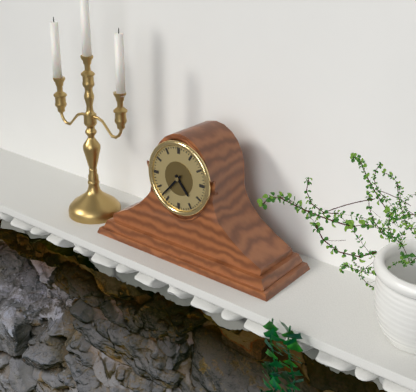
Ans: 4:37
